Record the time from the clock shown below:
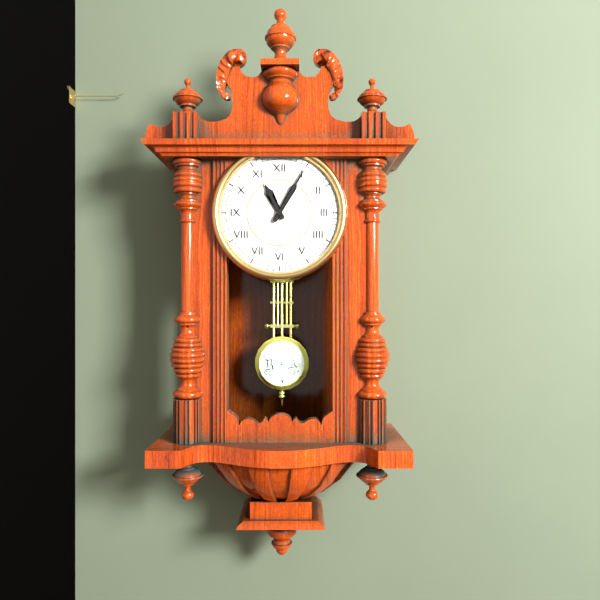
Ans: 11:05
